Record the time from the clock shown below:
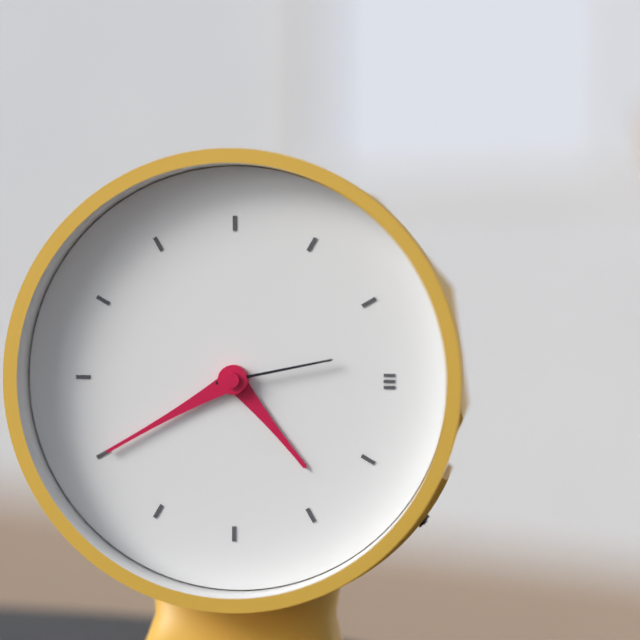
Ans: 4:40:13
